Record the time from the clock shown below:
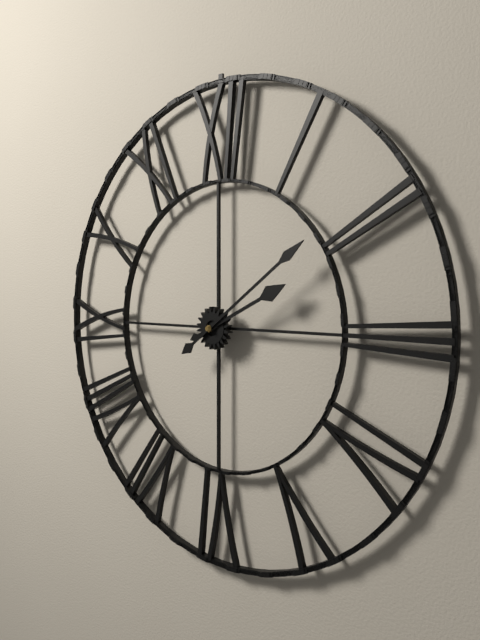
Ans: 2:09
